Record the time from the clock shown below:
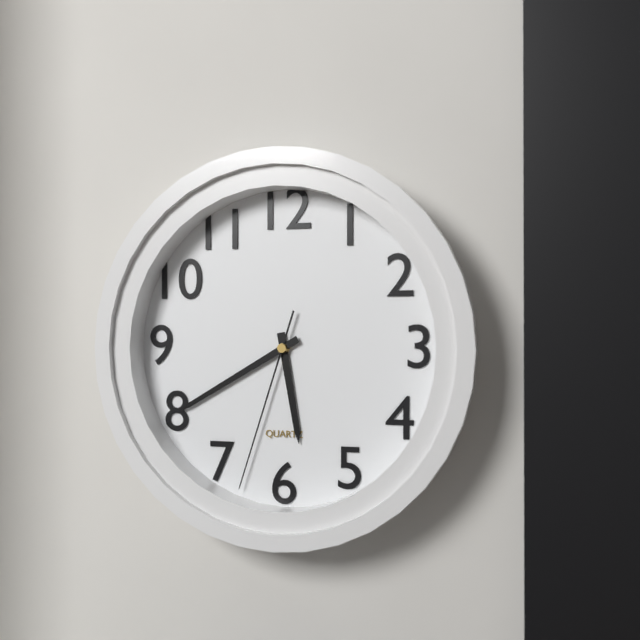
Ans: 5:40:33
